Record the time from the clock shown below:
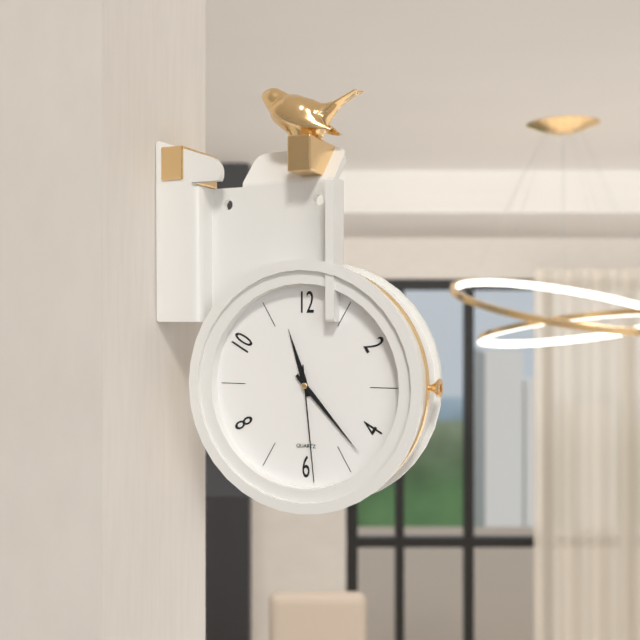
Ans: 11:23:29
